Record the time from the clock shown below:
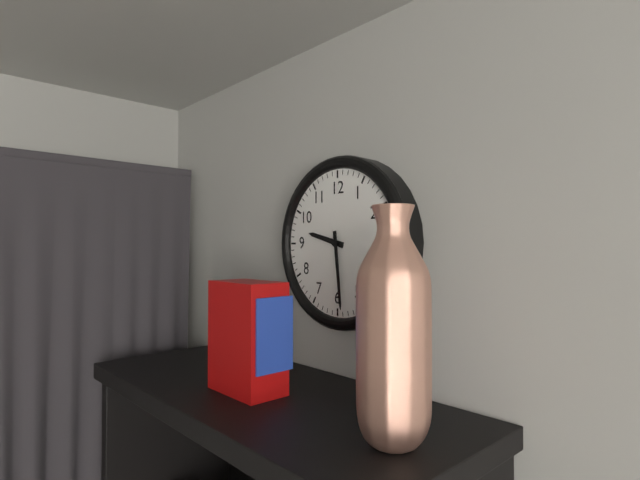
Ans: 9:29
